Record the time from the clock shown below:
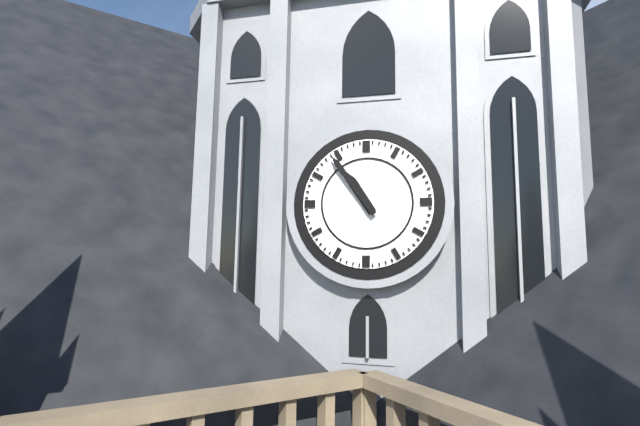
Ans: 10:54
